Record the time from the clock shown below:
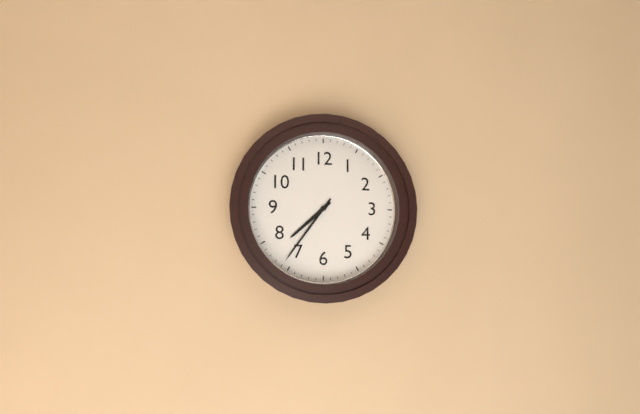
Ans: 7:36
